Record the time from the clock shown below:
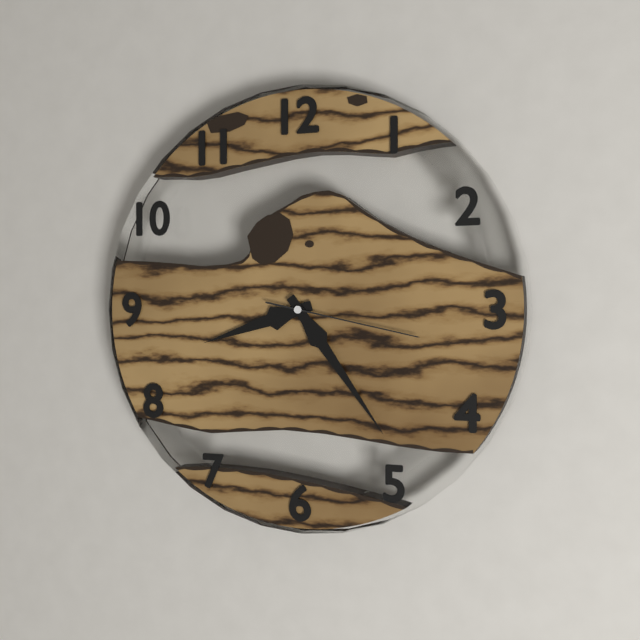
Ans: 8:24:17
